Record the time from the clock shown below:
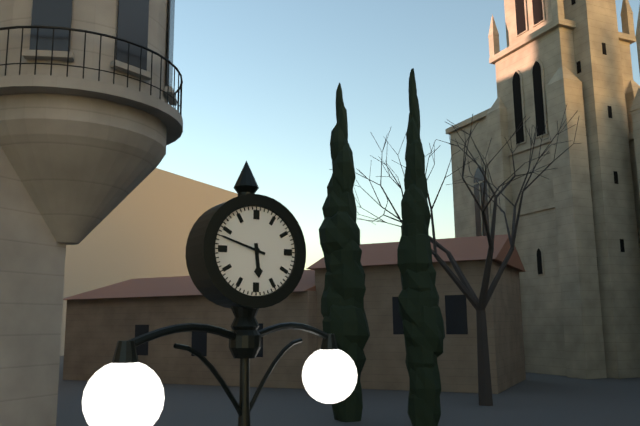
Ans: 5:48
